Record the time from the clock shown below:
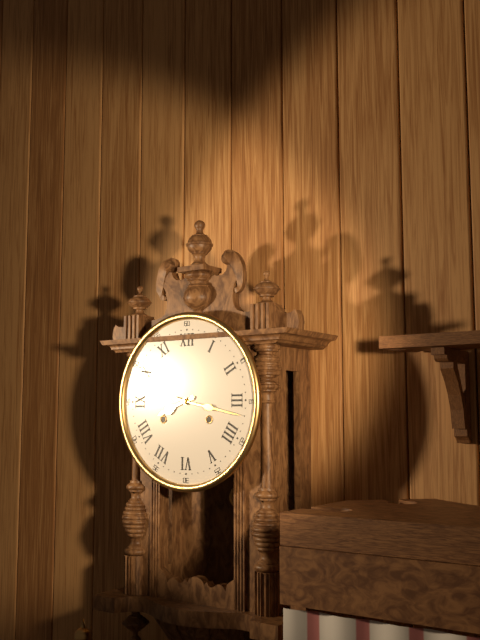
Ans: 8:17
